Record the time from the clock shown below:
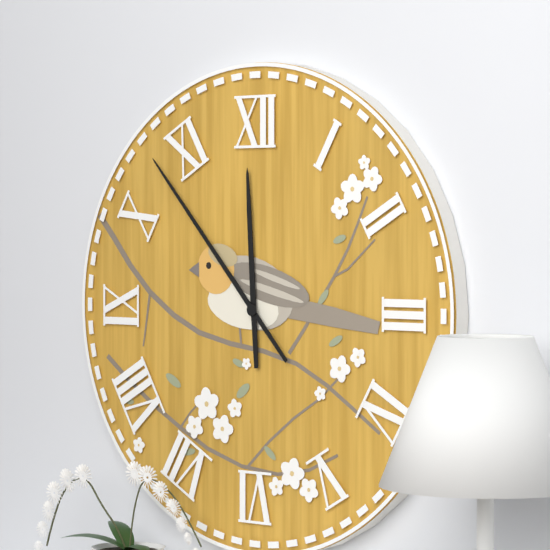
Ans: 11:53
